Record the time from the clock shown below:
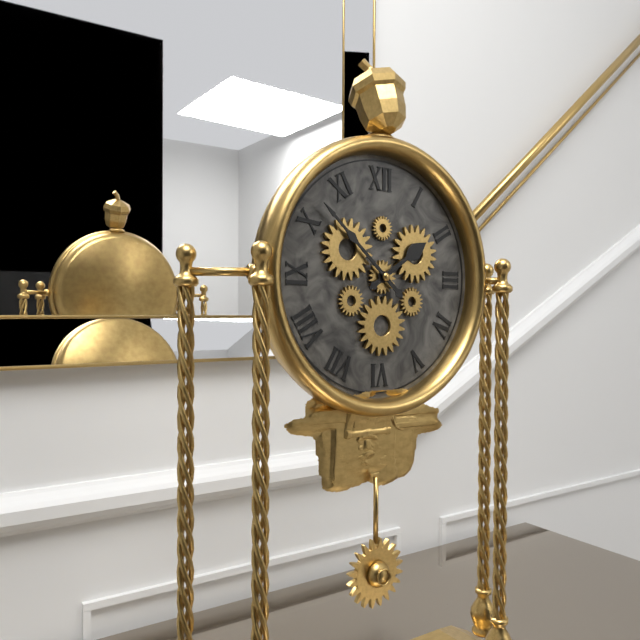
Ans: 1:52
